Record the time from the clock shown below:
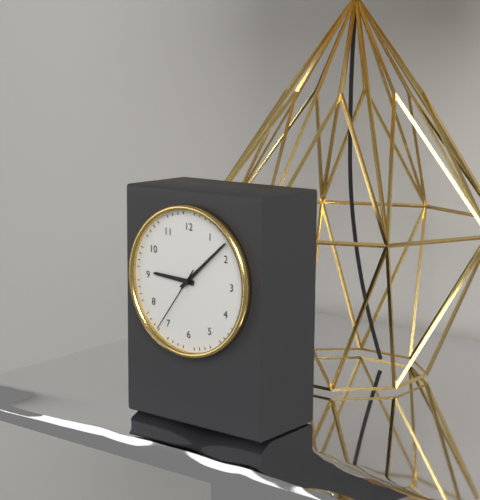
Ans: 9:08:36
